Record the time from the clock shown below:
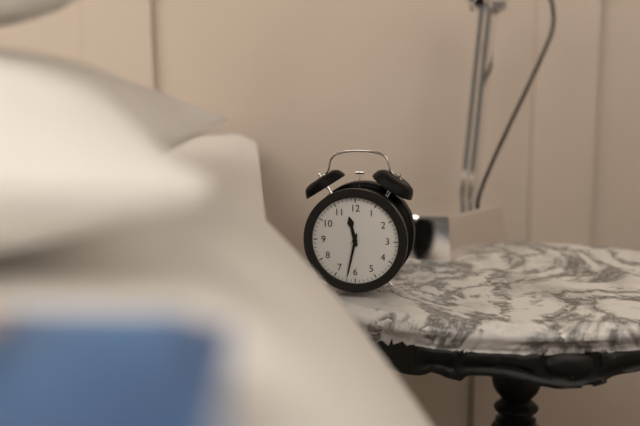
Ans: 11:32
